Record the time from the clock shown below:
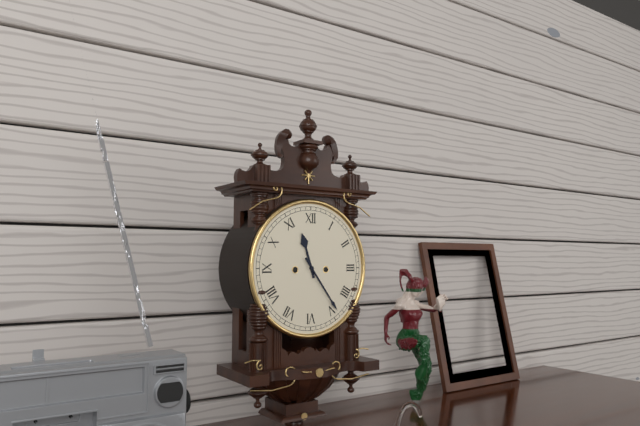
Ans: 11:24
